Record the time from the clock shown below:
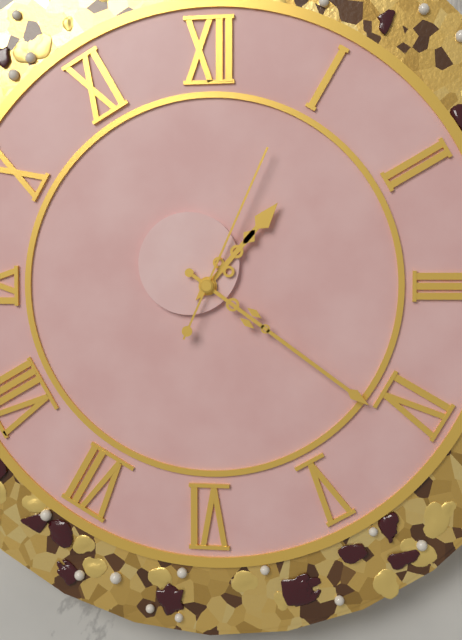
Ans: 1:21:04
